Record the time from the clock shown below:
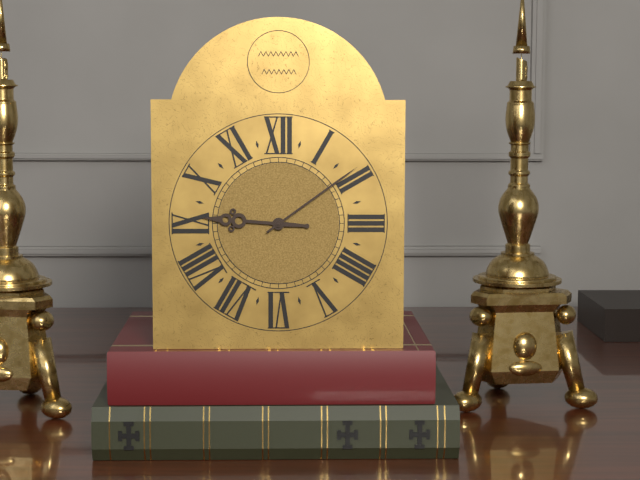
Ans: 9:09
